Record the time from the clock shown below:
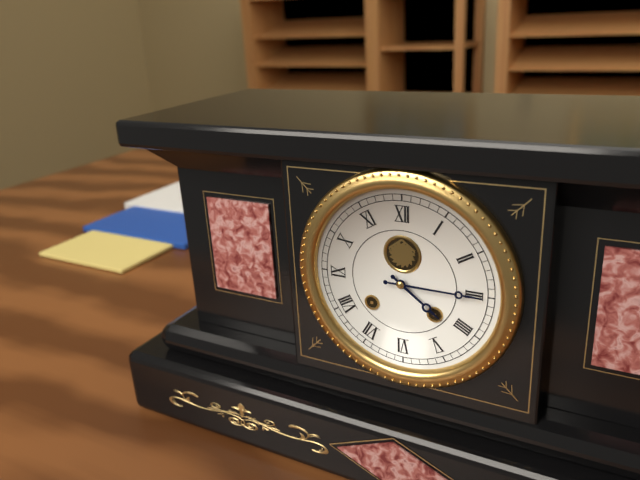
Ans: 4:15
